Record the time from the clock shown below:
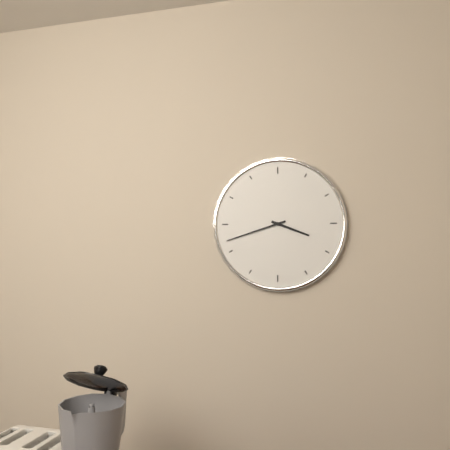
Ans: 3:42
